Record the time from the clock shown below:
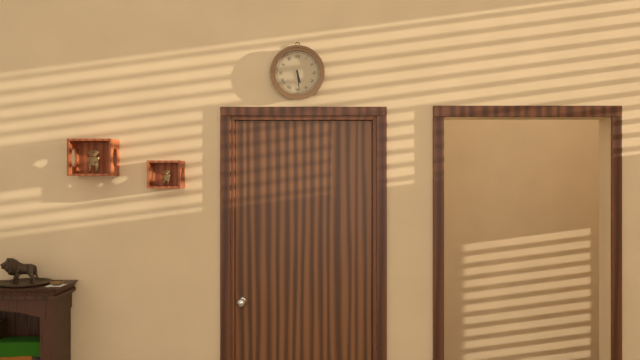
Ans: 5:29
